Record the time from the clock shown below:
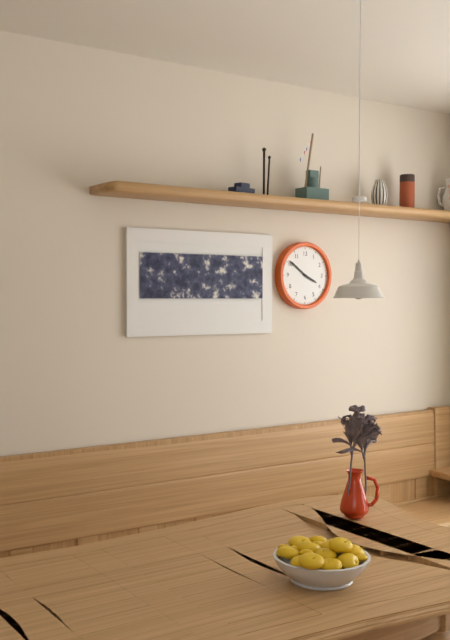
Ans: 3:51
